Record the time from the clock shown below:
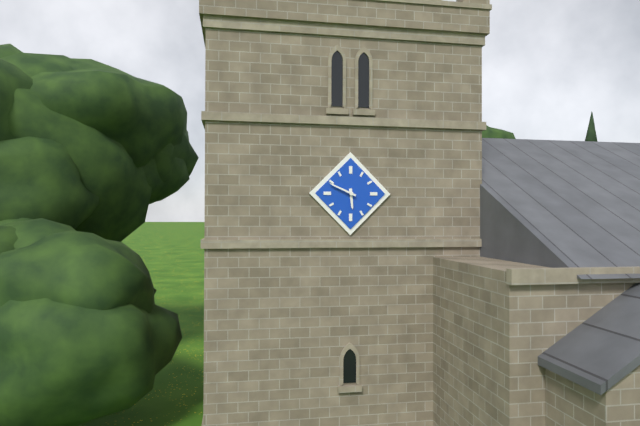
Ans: 5:49
